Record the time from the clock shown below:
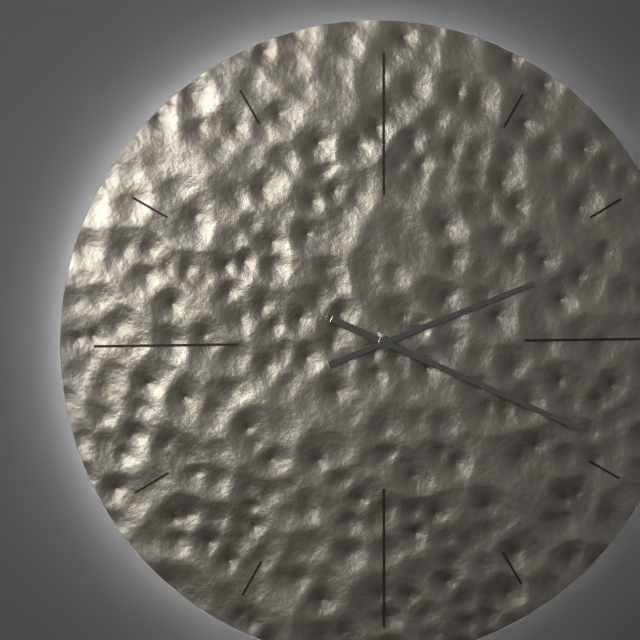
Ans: 2:19
